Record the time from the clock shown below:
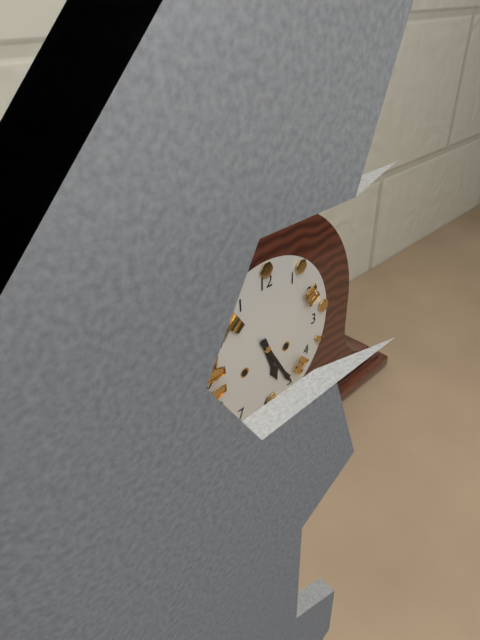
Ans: 5:25
